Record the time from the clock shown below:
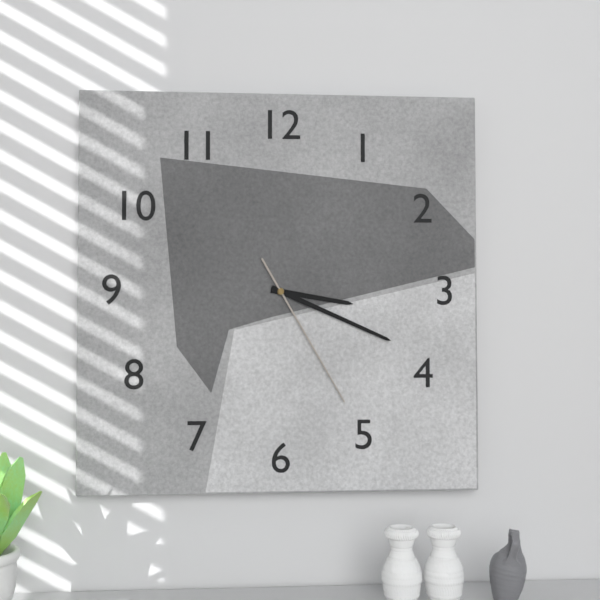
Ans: 3:19:25
